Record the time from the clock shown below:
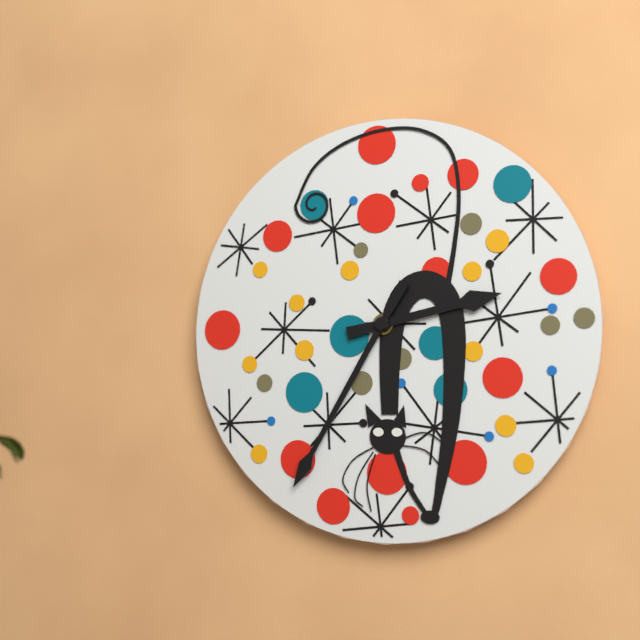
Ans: 2:35
